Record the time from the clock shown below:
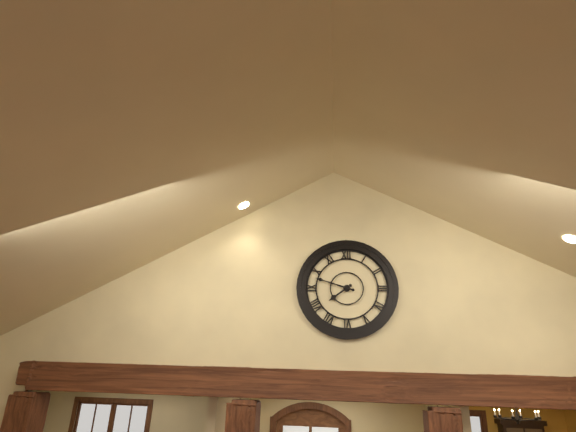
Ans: 7:48
